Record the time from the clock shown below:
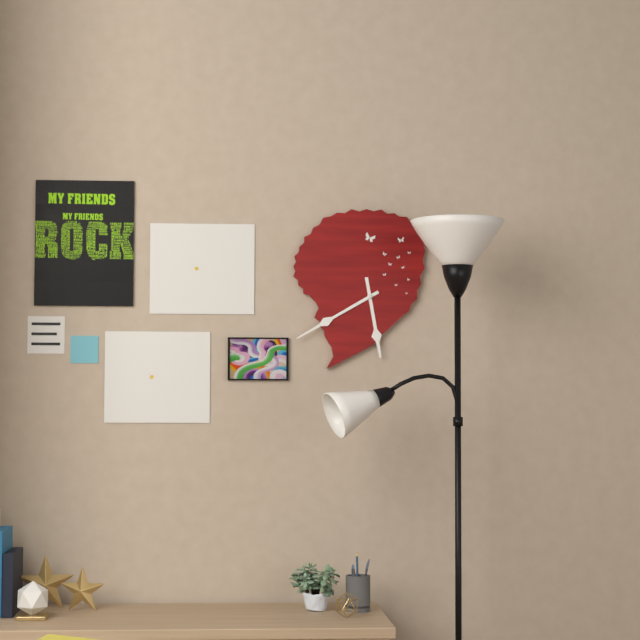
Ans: 5:40
